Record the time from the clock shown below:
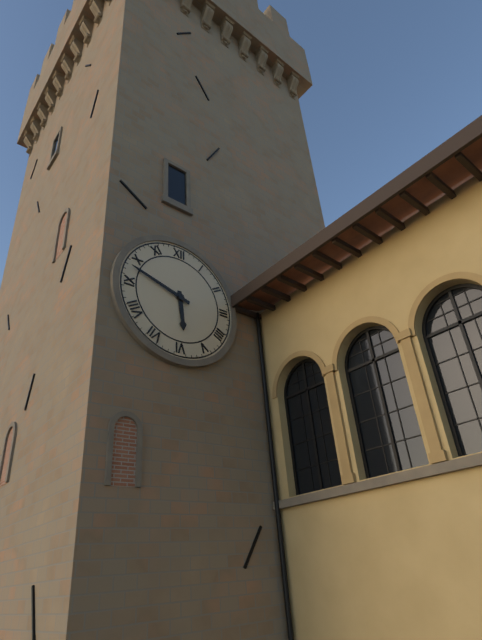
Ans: 5:48
